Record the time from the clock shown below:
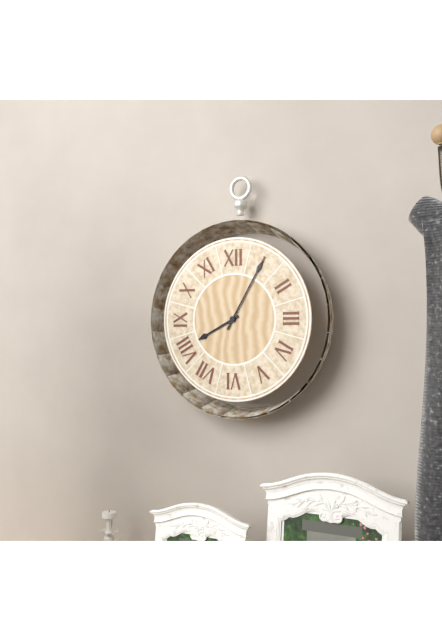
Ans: 8:05
